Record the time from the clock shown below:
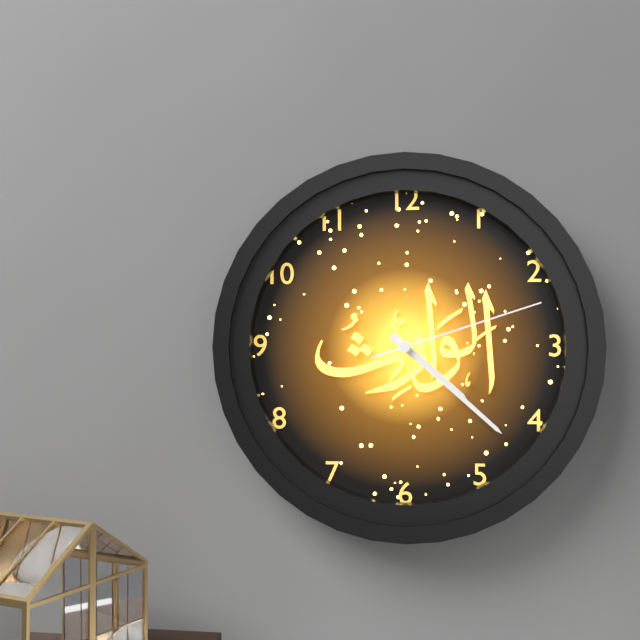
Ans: 4:22:12
